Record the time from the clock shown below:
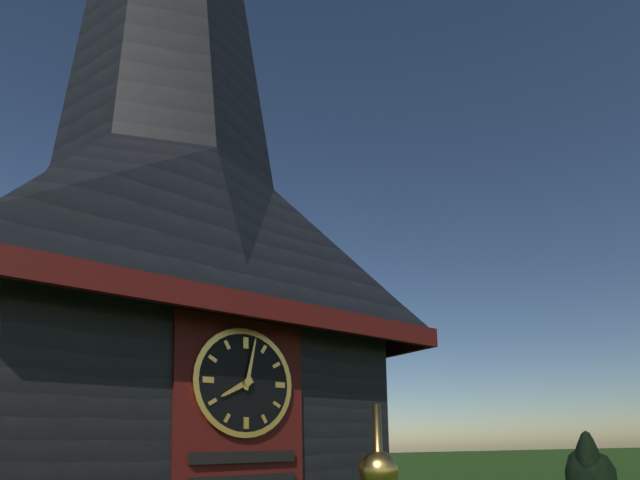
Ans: 8:02
